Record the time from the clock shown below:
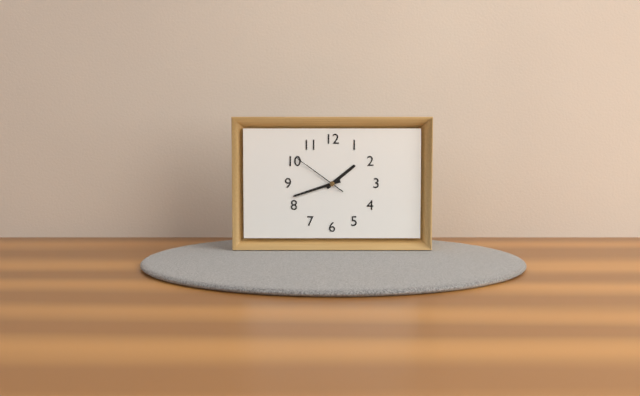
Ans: 1:42:51
